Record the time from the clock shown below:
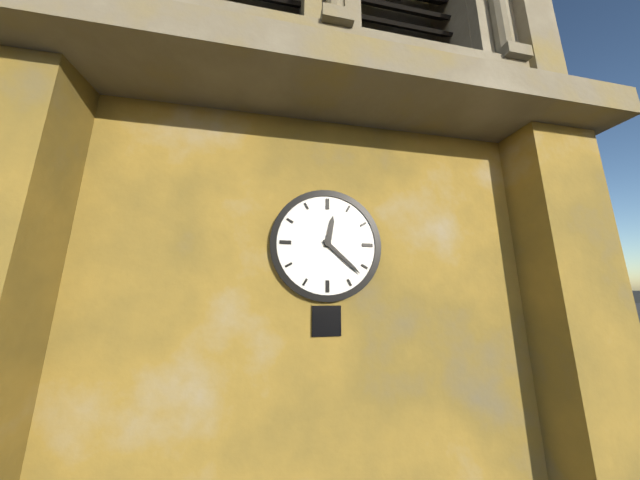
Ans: 12:22
